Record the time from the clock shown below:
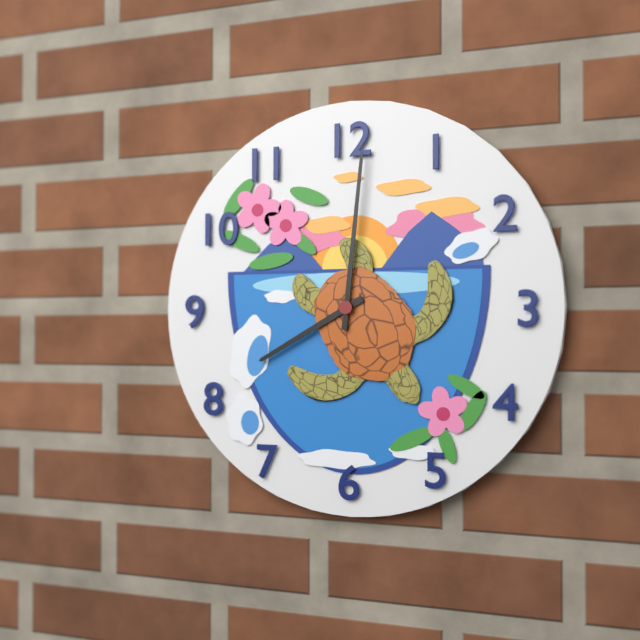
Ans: 8:01
